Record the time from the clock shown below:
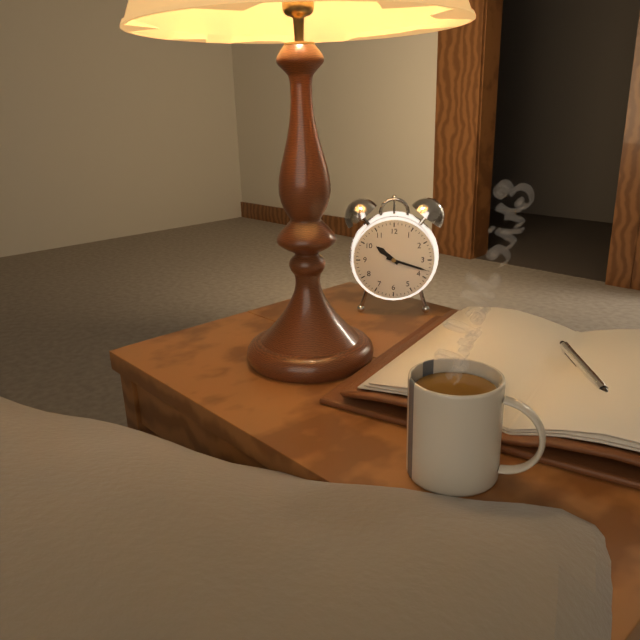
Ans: 10:18
